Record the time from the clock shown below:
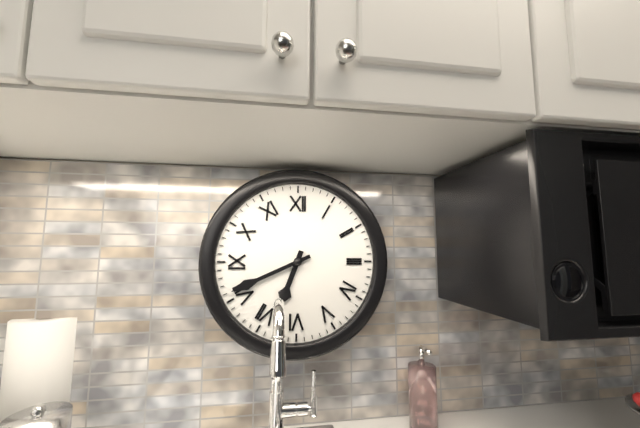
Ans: 6:41
